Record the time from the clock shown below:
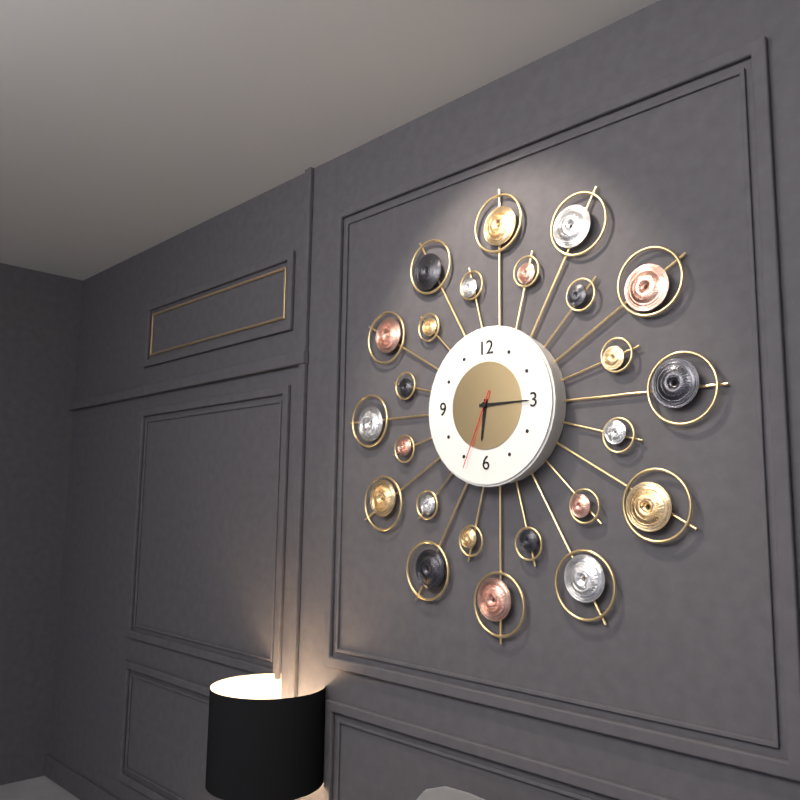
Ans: 6:15:34
